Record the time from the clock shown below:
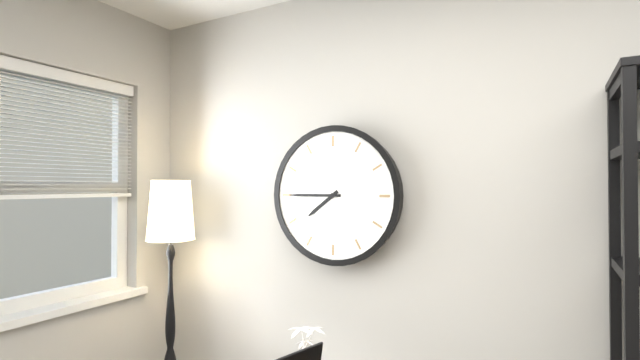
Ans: 7:45
